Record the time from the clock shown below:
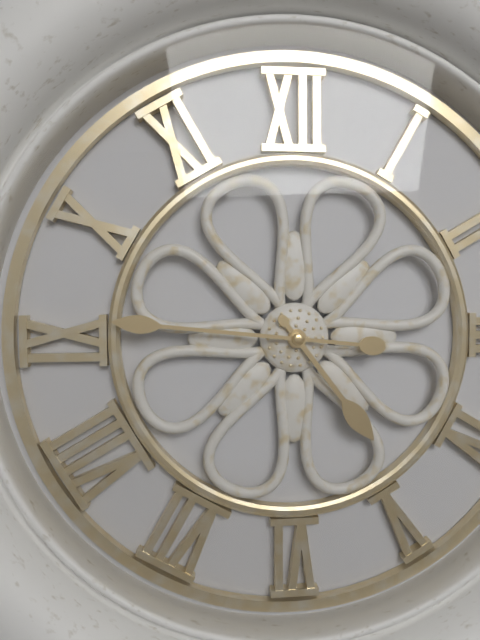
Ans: 4:46
